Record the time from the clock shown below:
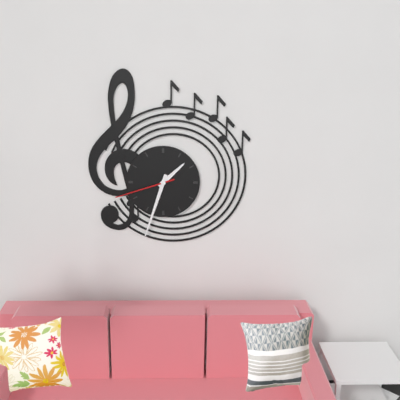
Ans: 1:33:42
